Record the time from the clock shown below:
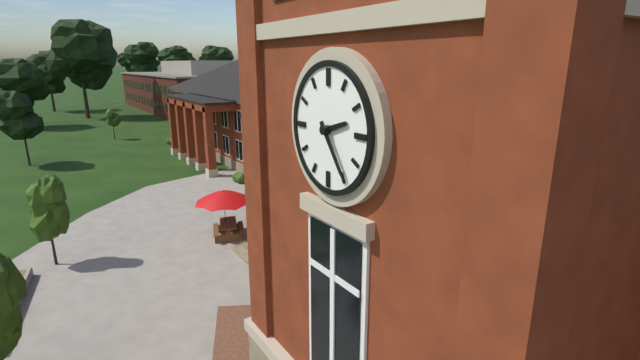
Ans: 2:24
